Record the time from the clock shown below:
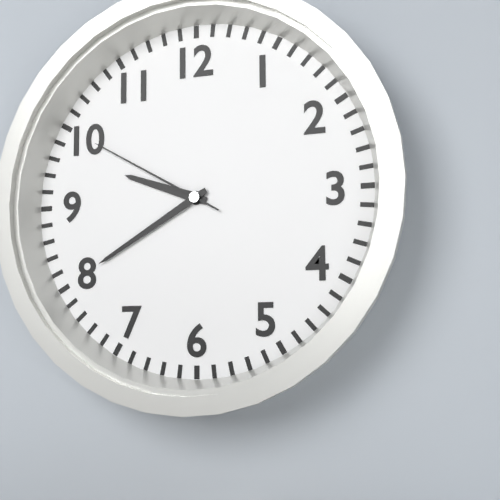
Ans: 9:40:50
